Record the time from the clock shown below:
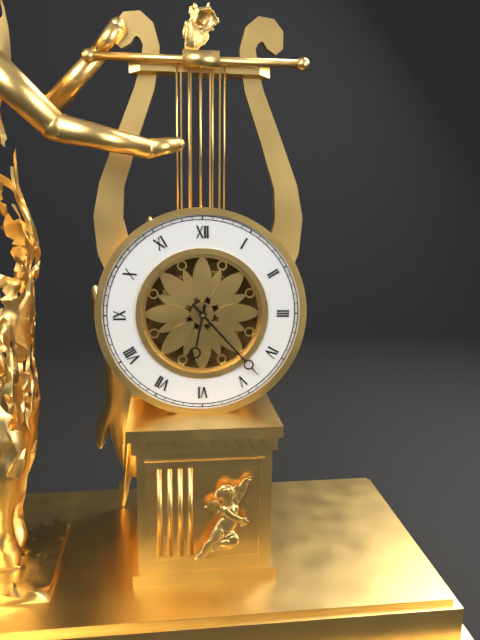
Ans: 6:23
